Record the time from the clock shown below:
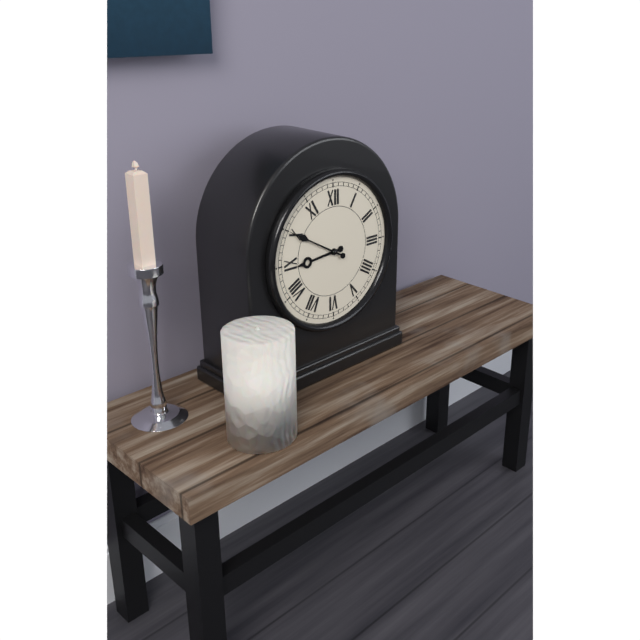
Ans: 8:50
